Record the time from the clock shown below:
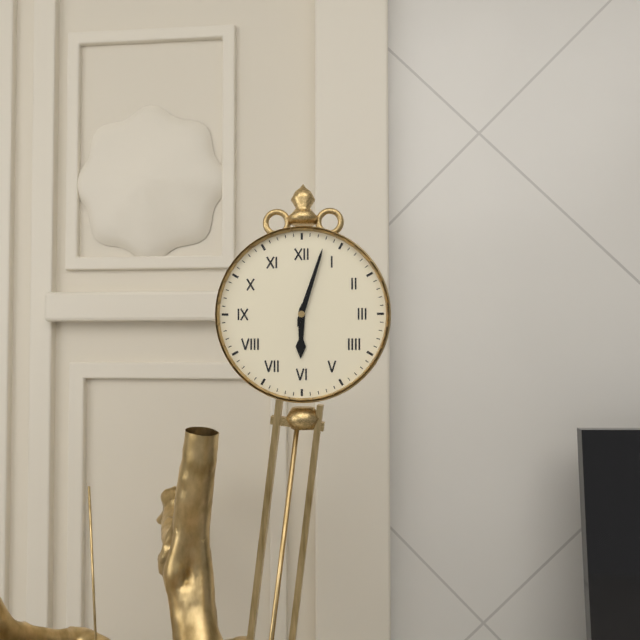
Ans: 6:03
